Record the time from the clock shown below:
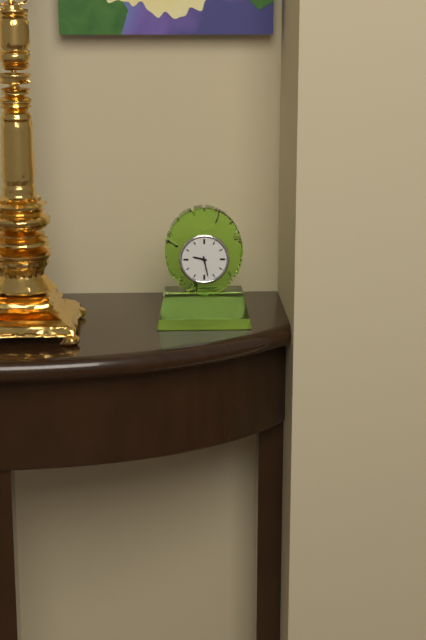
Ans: 9:28
